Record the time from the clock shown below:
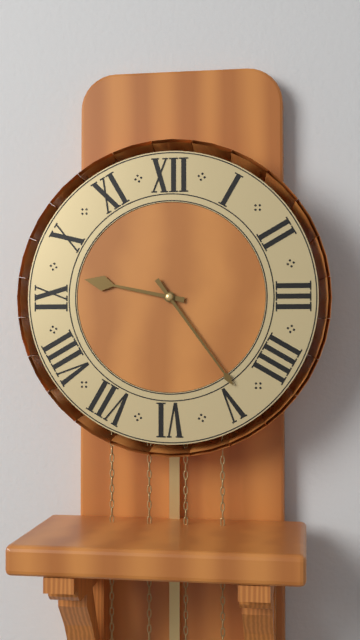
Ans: 9:24
